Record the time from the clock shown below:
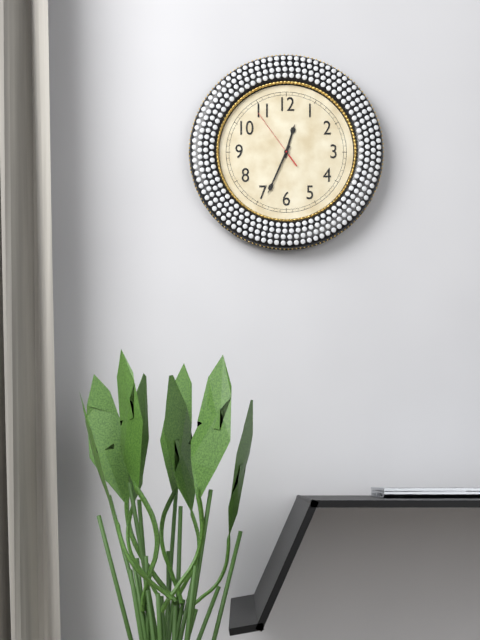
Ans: 12:34:54
